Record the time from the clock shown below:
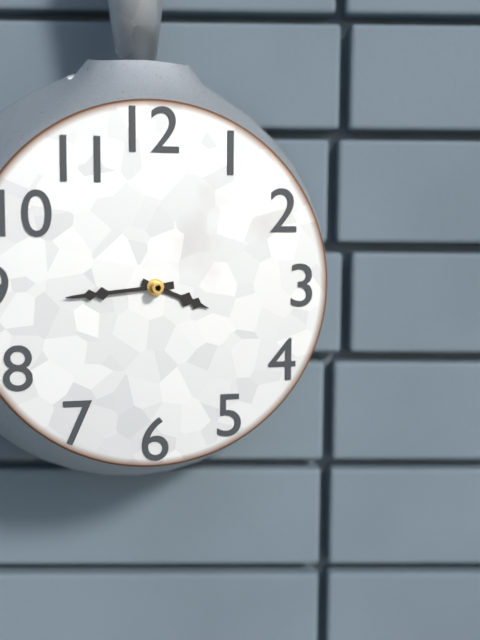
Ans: 3:44
